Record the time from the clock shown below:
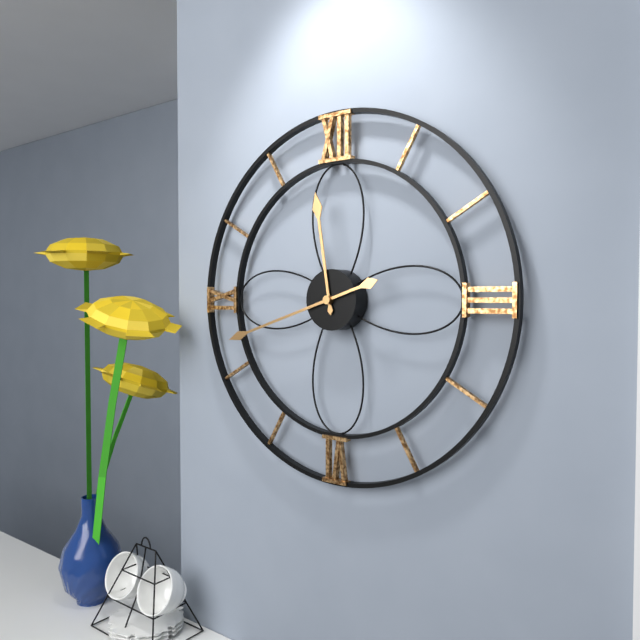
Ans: 11:42
